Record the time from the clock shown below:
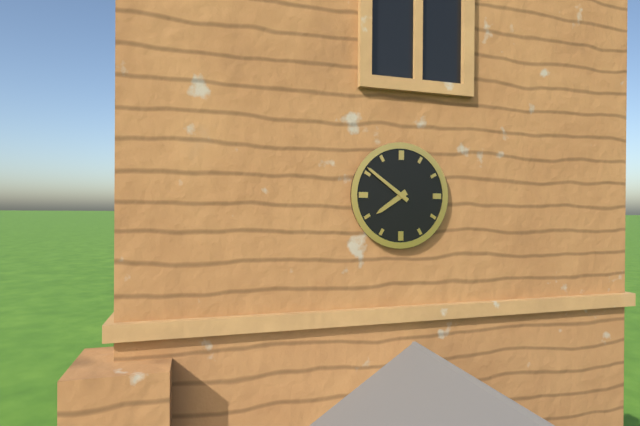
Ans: 7:51
